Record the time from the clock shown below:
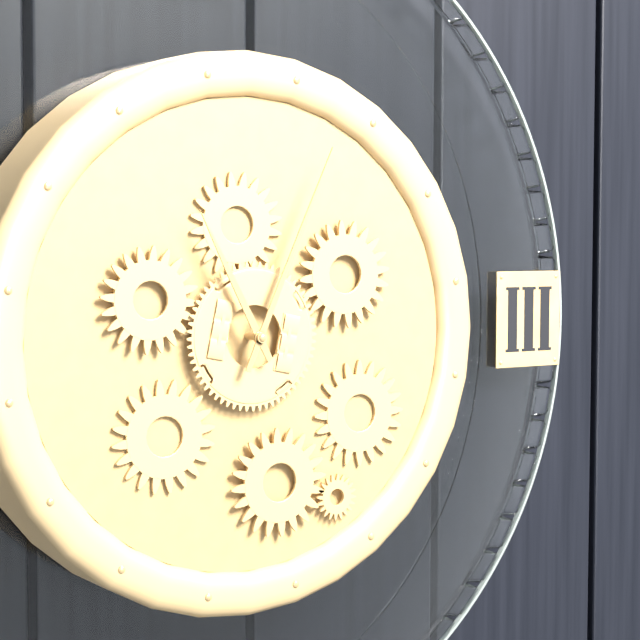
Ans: 11:04
